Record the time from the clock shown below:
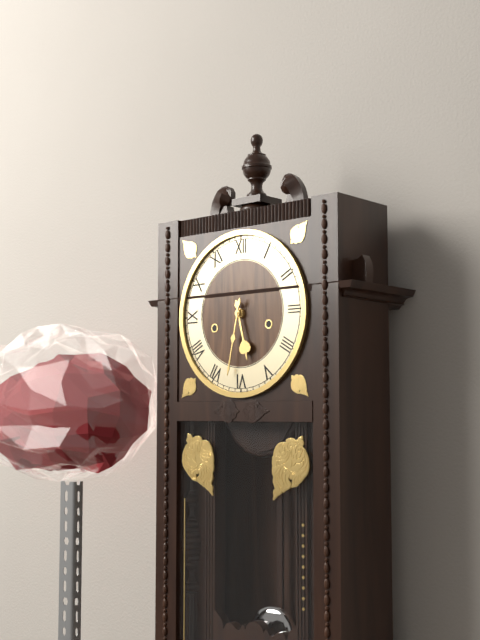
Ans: 5:32
